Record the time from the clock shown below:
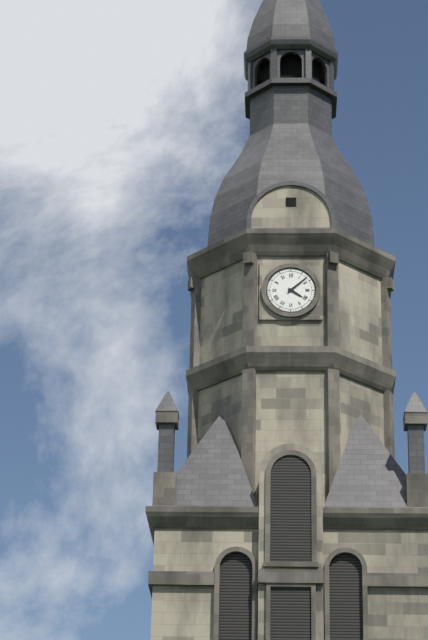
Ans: 4:08
